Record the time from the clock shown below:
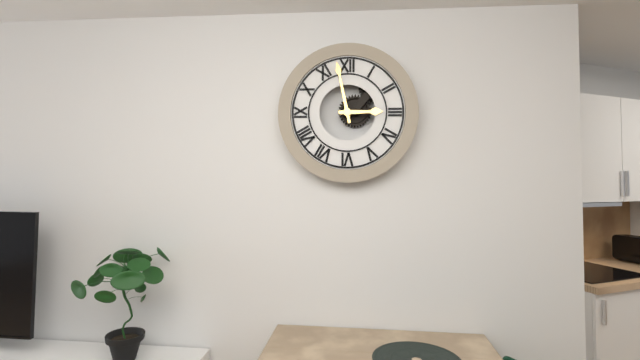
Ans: 2:58
